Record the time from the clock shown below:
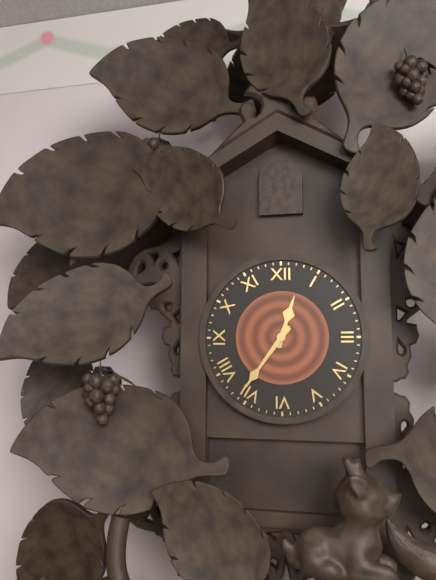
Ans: 12:36
